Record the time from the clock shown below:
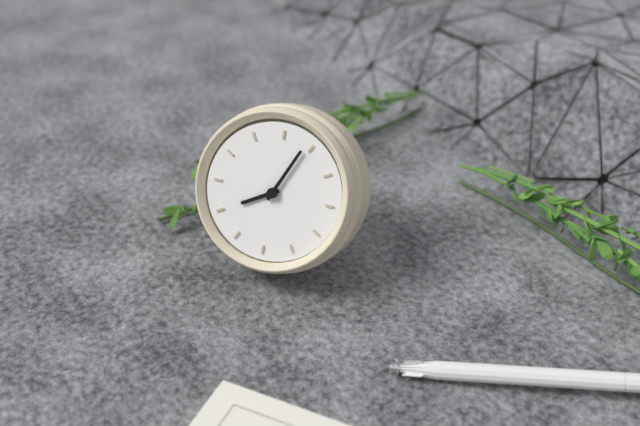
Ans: 6:59
